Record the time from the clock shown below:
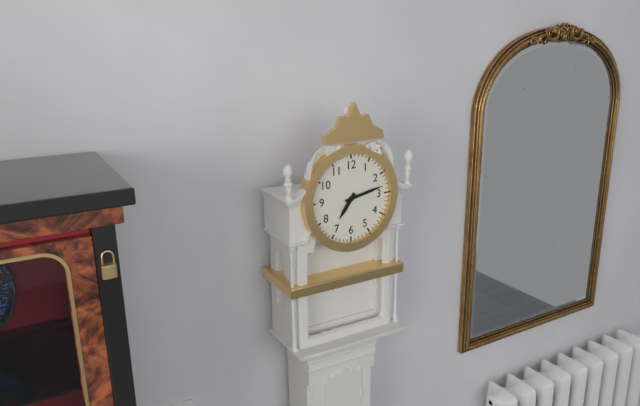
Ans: 7:13
